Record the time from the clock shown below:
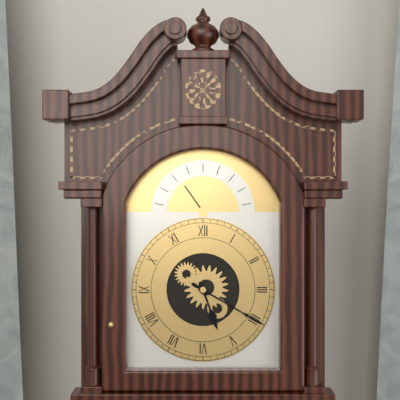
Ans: 5:20
